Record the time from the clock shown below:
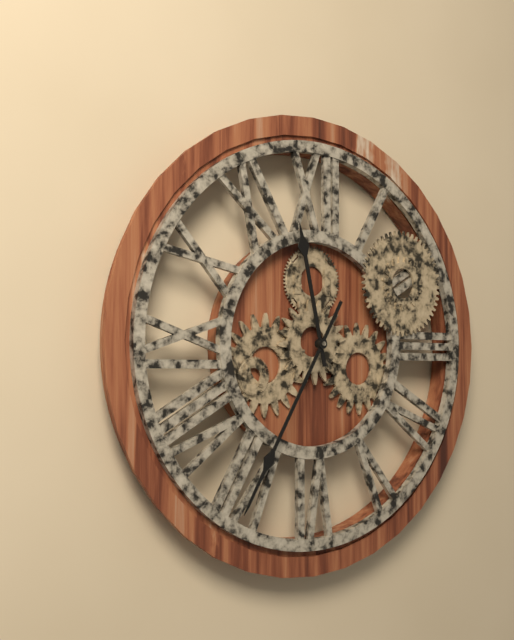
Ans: 11:35
